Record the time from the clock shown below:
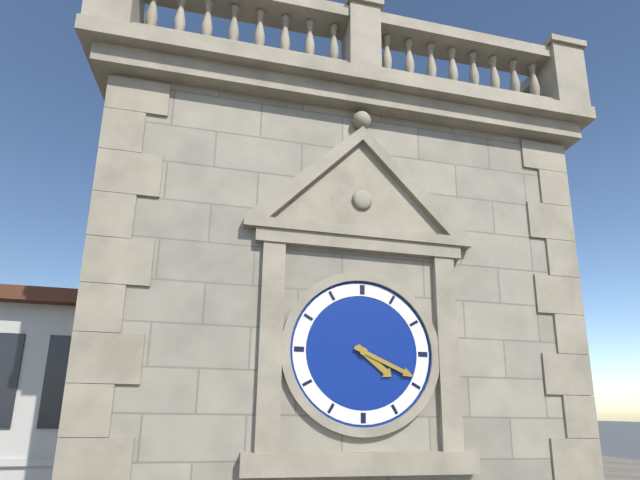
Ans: 4:19
